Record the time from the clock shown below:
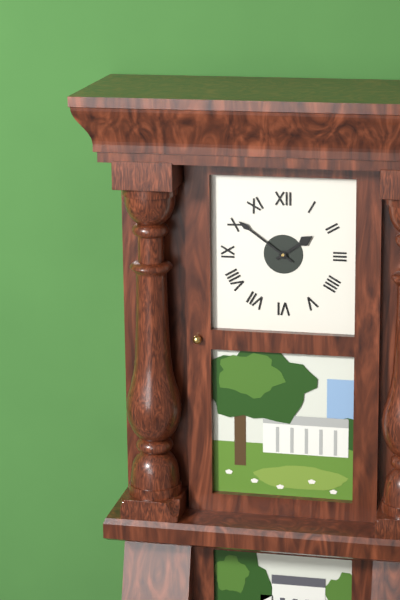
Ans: 1:51
